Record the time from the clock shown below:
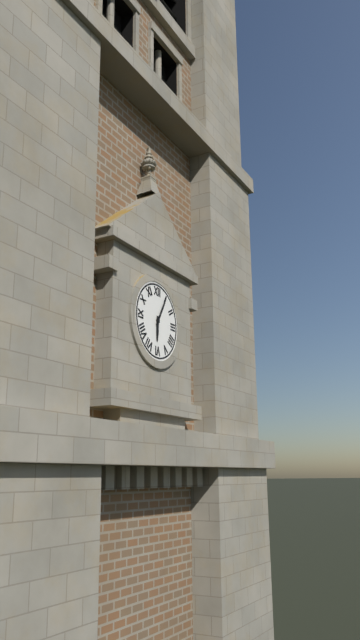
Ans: 6:05
